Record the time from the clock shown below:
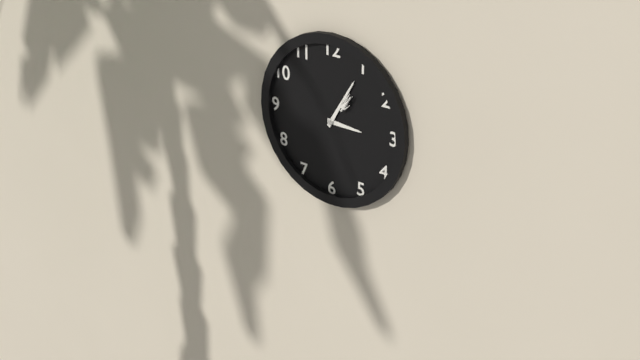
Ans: 3:05
